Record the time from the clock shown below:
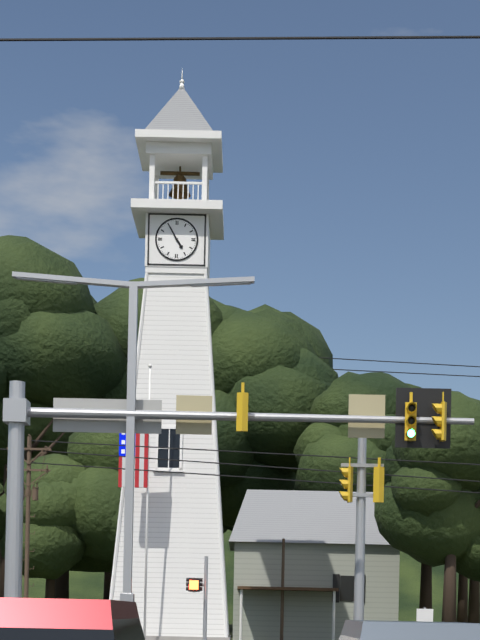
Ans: 4:55
